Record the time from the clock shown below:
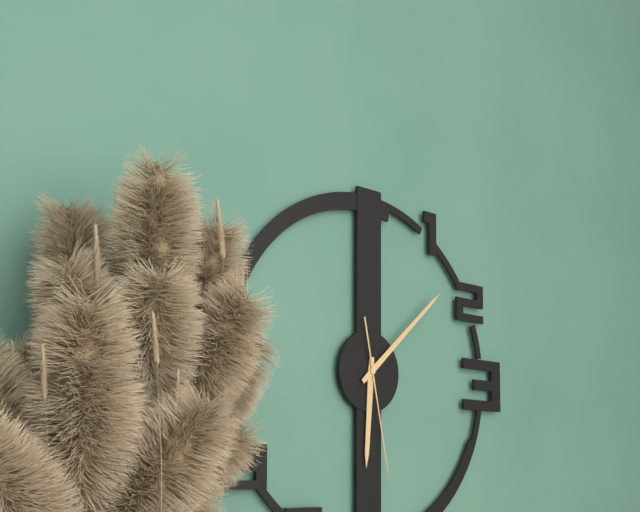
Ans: 6:08:28
